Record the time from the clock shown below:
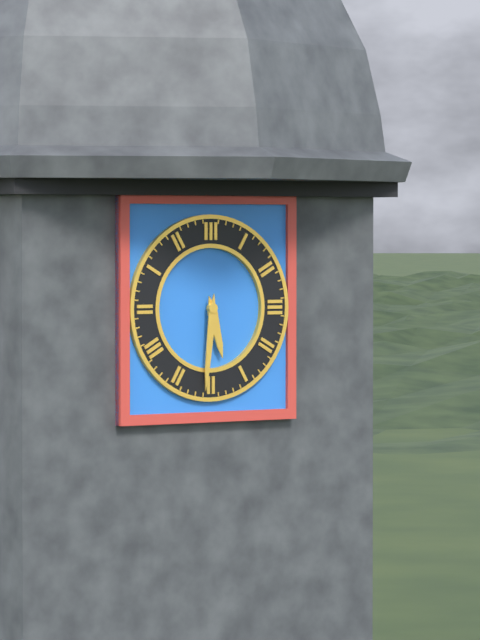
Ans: 5:31
